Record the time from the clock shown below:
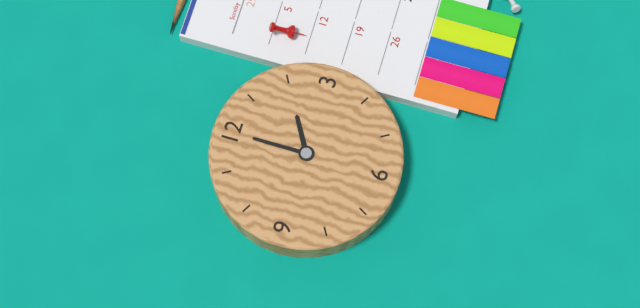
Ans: 2:00
